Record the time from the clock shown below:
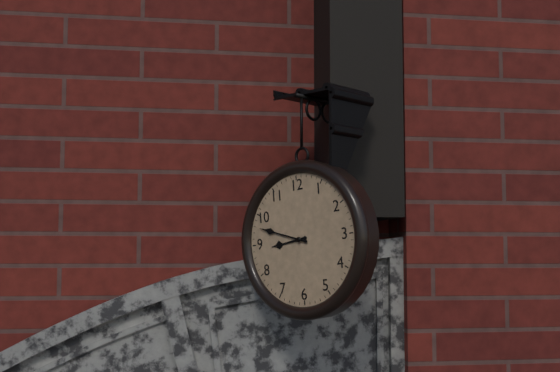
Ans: 8:48
